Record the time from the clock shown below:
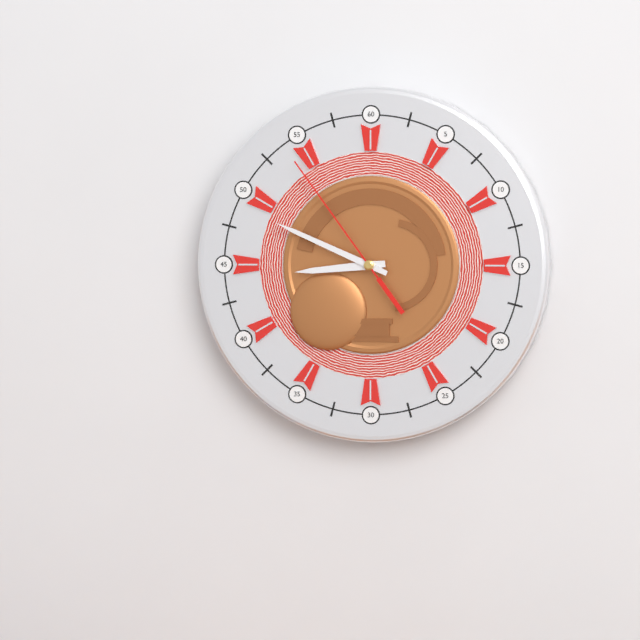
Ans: 8:49:54
